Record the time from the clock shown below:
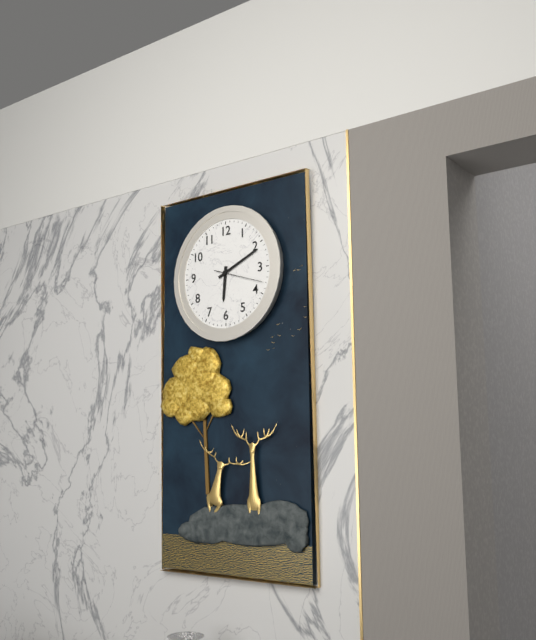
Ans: 6:11
